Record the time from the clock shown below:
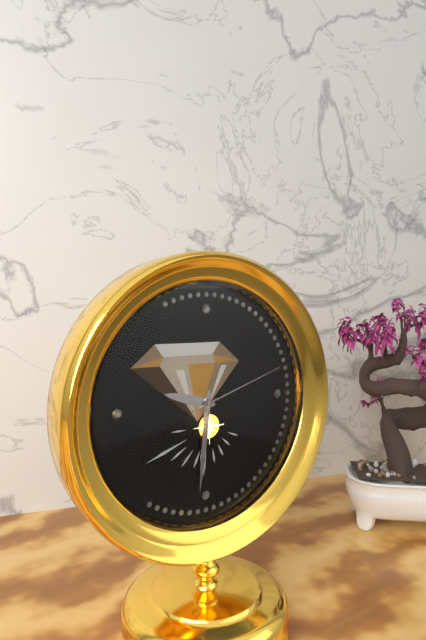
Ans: 9:31:12
